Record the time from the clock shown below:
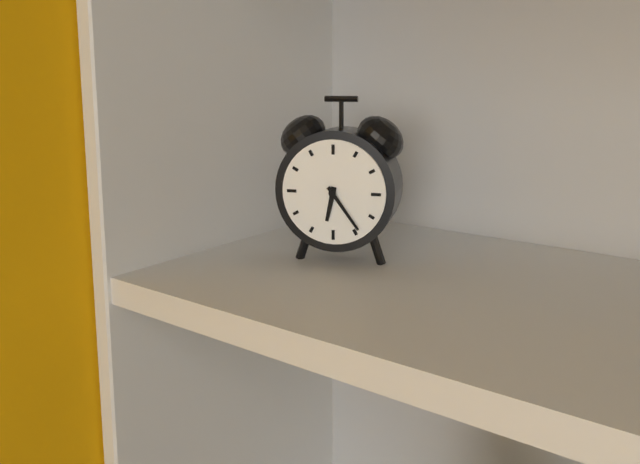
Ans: 6:24
